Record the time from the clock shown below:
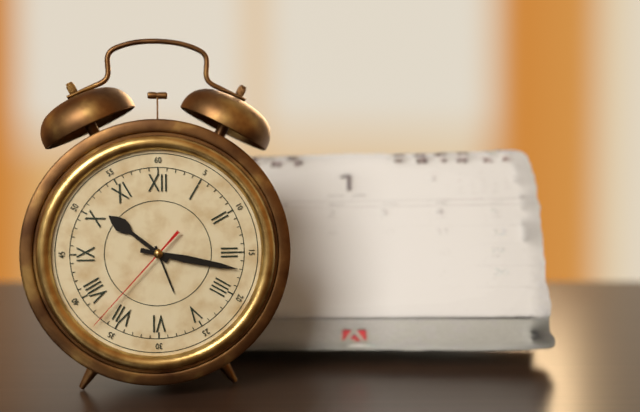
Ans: 10:17:37
